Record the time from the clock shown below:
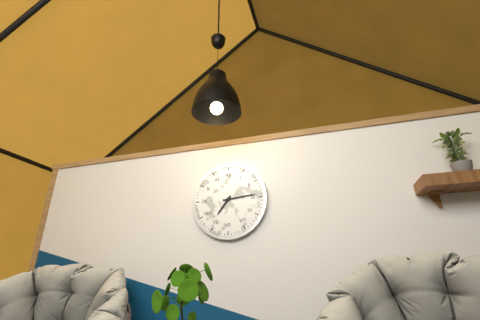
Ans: 7:14
